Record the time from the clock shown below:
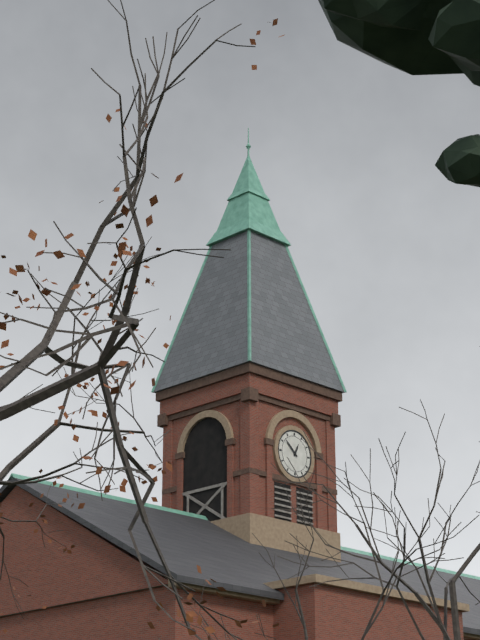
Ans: 12:52
